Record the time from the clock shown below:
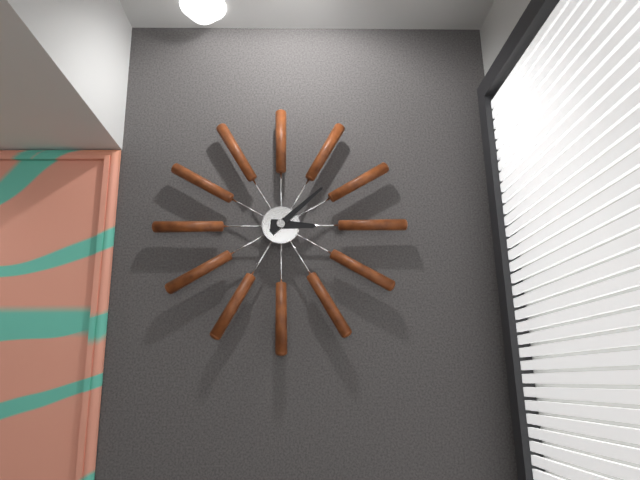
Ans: 3:08
